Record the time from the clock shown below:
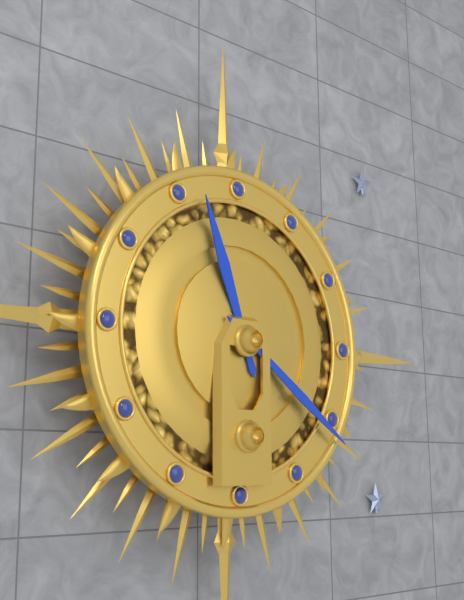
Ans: 11:21
